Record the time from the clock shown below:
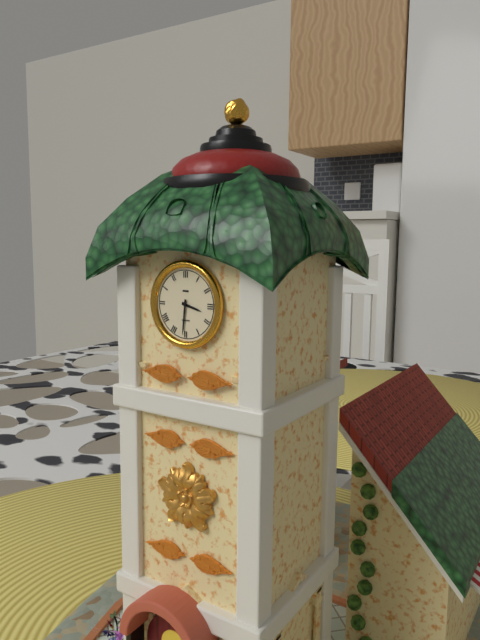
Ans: 3:31
